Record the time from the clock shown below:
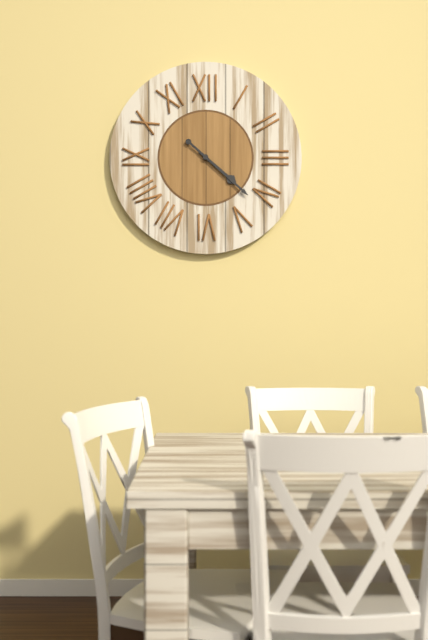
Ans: 4:22
